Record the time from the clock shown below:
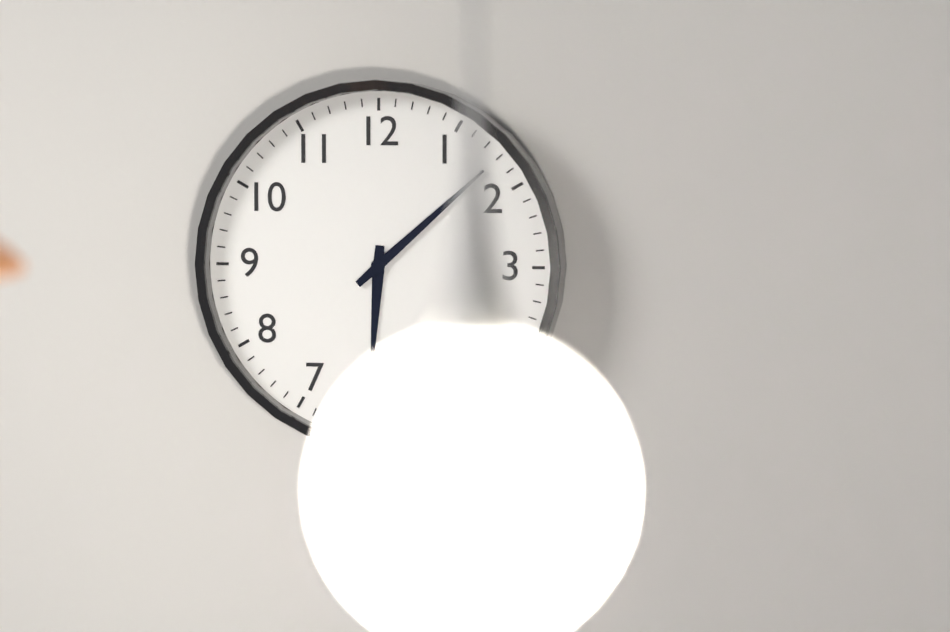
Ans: 6:08
